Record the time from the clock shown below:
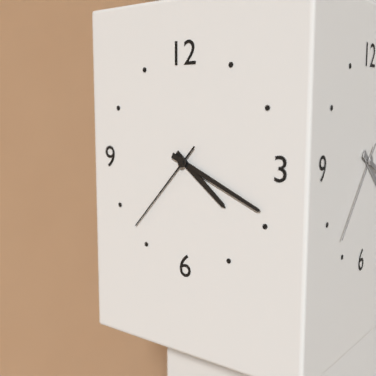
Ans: 4:19:37
